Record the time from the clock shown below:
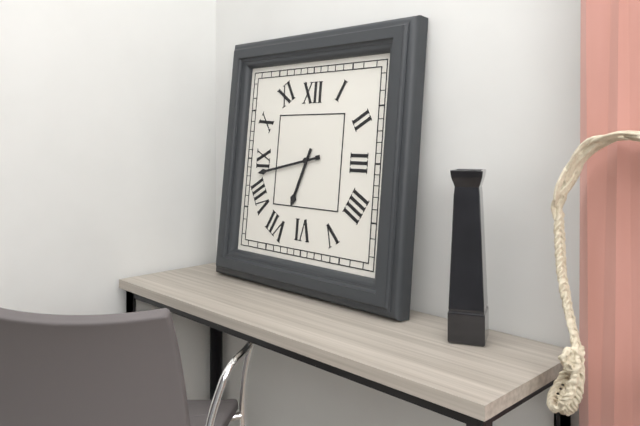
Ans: 6:43
